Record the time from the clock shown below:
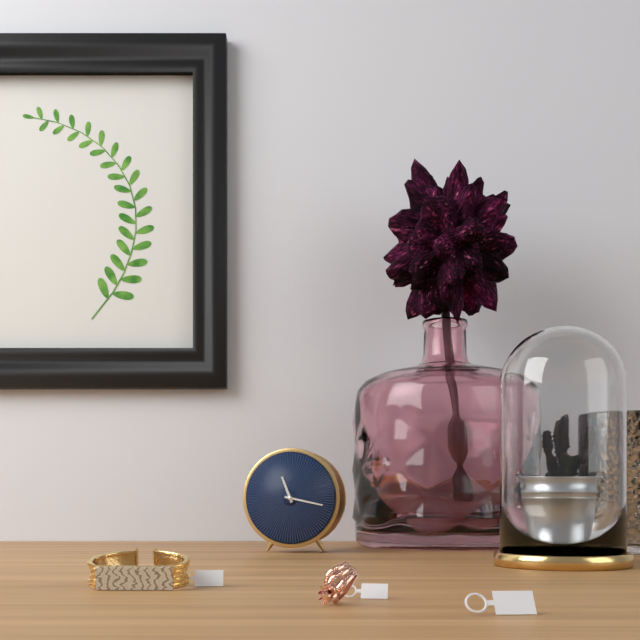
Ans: 11:17
